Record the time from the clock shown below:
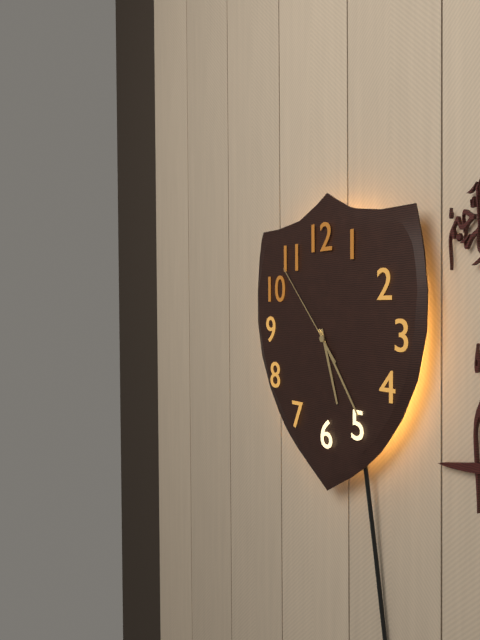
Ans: 5:24:53
